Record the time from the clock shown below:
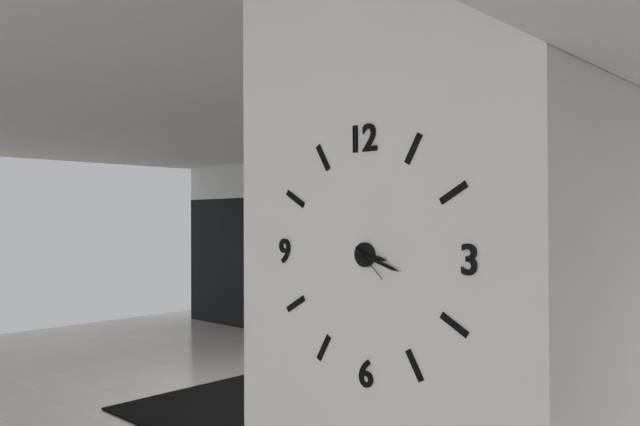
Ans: 3:18
